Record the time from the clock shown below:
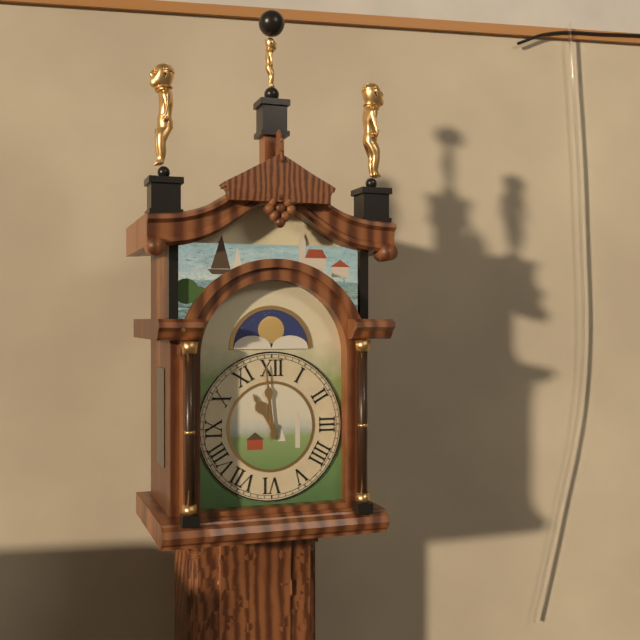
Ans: 10:59
